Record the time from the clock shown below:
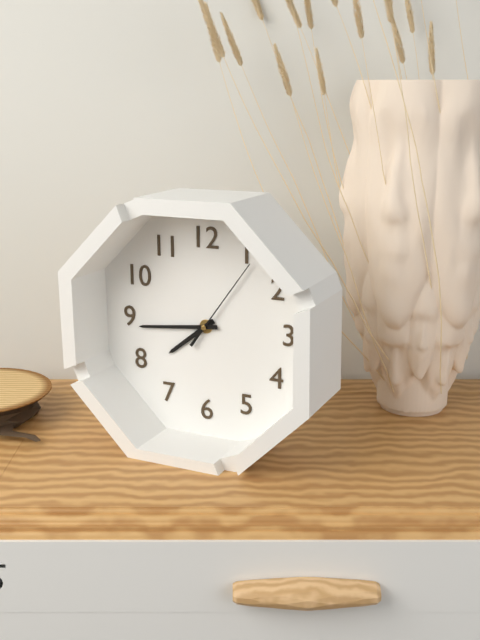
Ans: 7:44:06
